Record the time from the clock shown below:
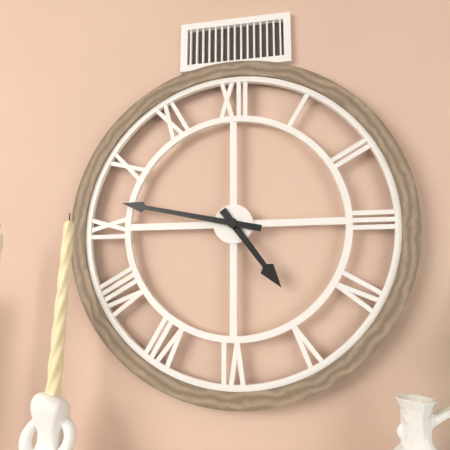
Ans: 4:47
